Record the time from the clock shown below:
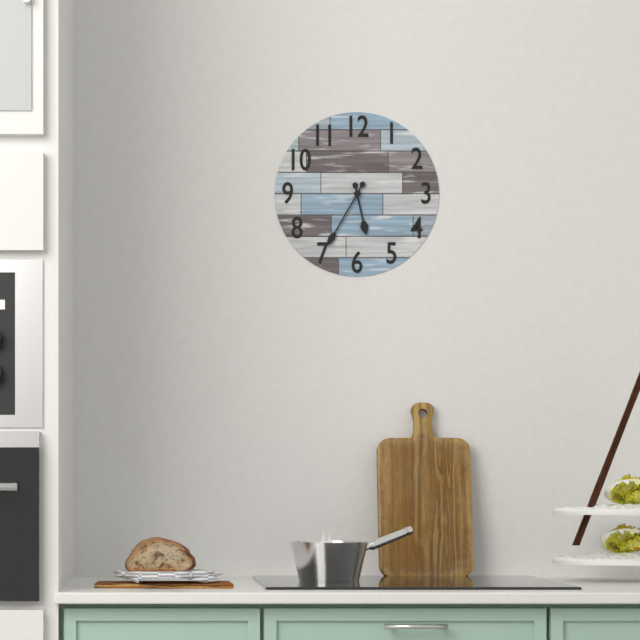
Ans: 5:35
